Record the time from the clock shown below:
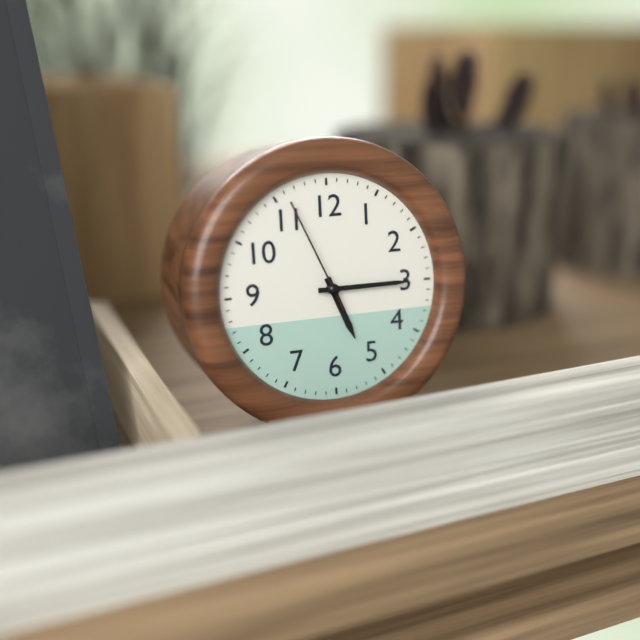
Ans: 5:15:56
